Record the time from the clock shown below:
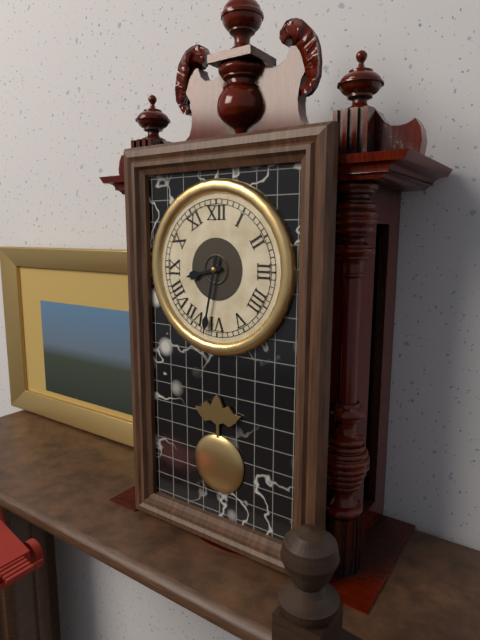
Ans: 8:32
